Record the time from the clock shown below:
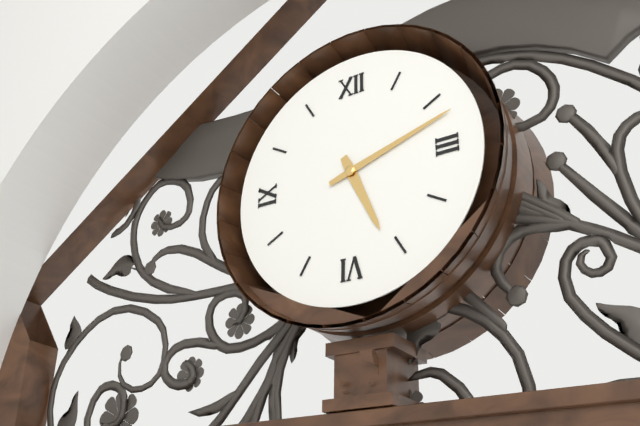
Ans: 5:12
